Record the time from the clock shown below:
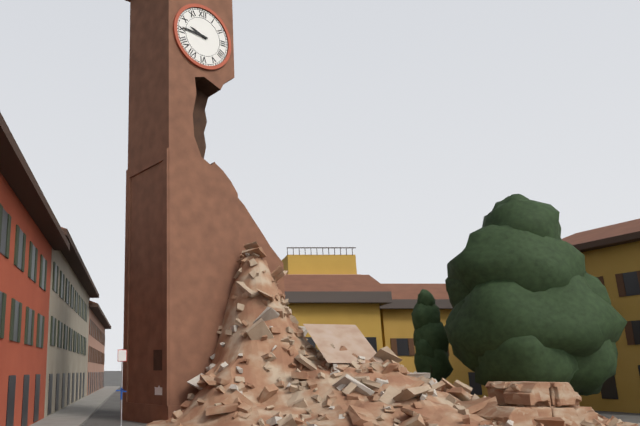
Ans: 9:46
